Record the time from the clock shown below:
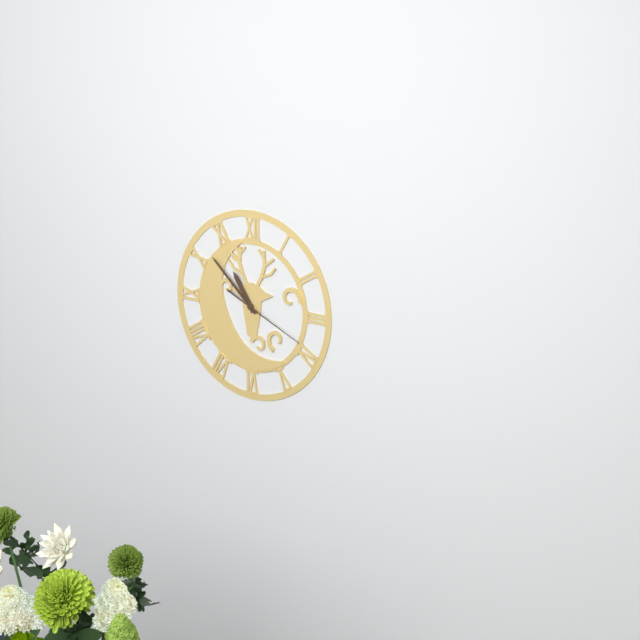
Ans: 10:52:19
